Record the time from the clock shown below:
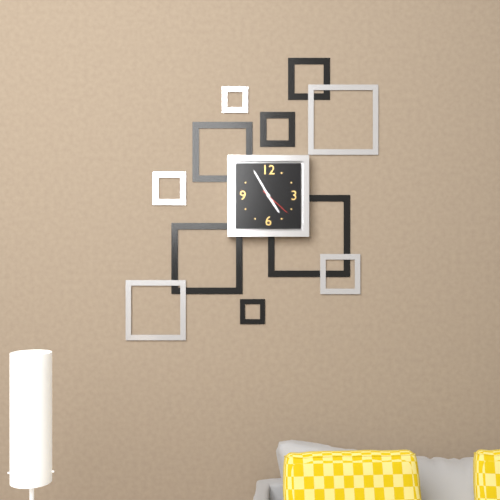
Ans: 4:55
